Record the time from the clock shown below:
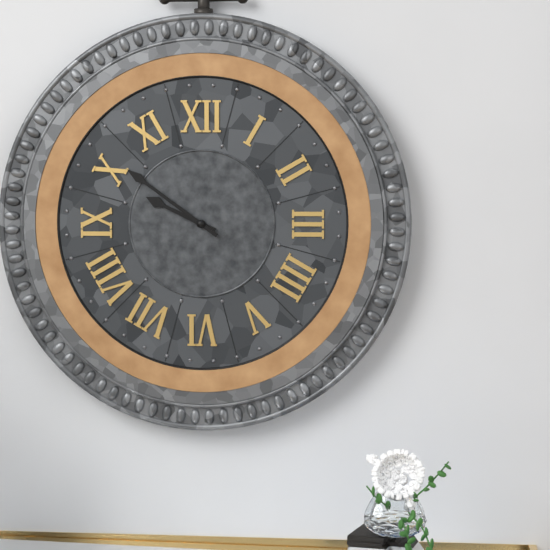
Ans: 9:51
